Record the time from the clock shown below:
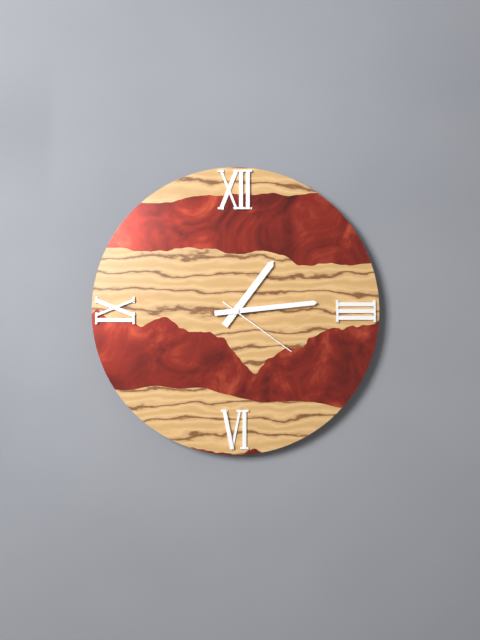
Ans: 1:14:21
